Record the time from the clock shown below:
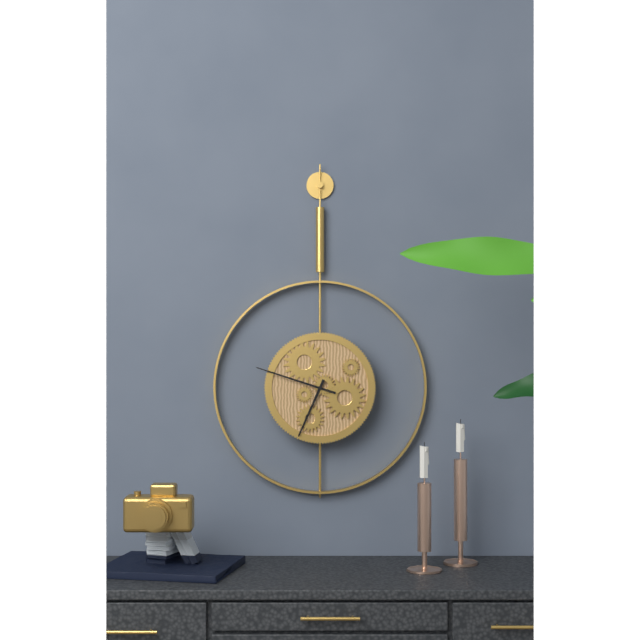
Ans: 6:48
